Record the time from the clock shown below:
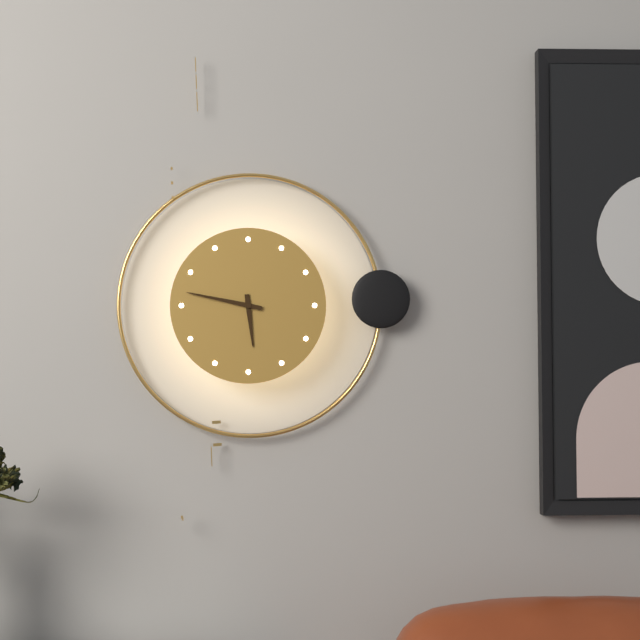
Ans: 5:47
